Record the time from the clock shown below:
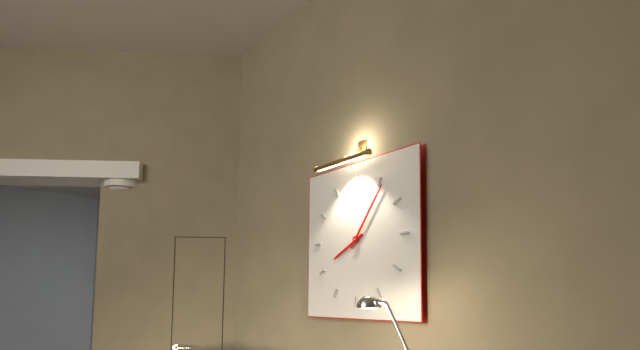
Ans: 8:06
